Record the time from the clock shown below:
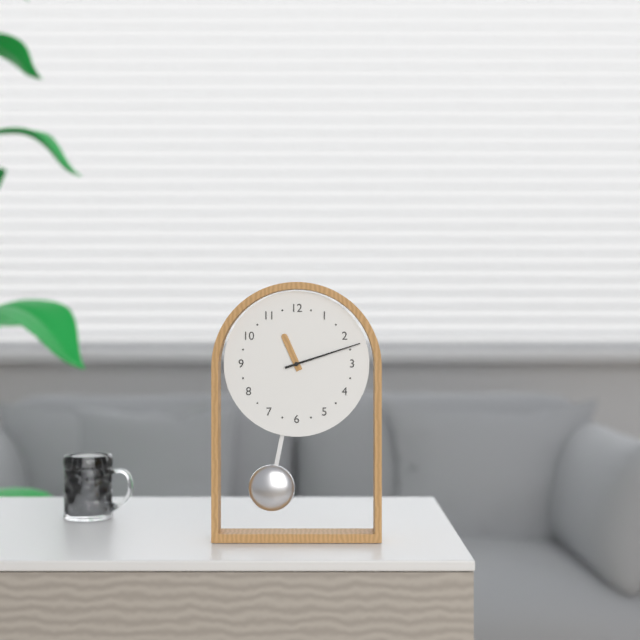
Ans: 11:12
